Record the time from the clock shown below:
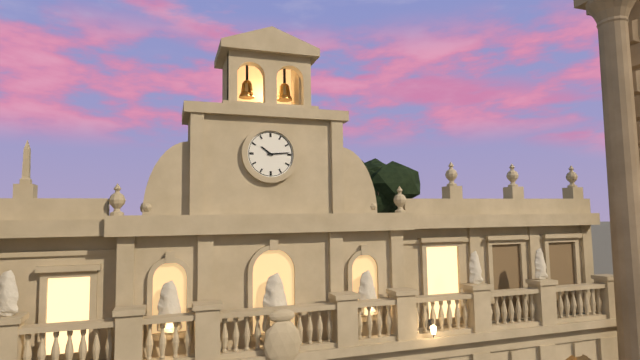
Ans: 10:14
